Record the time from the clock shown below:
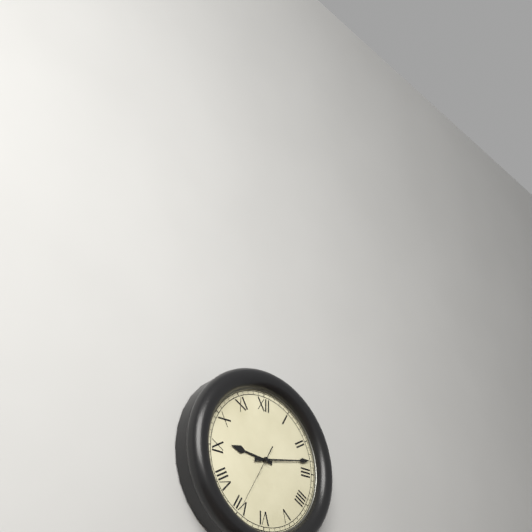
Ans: 9:13:35
